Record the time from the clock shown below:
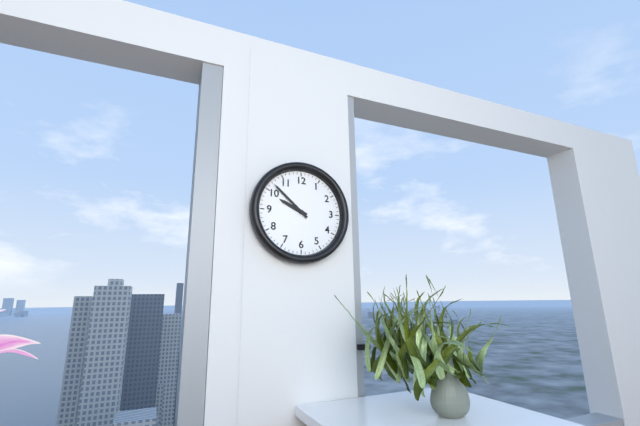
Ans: 9:52
